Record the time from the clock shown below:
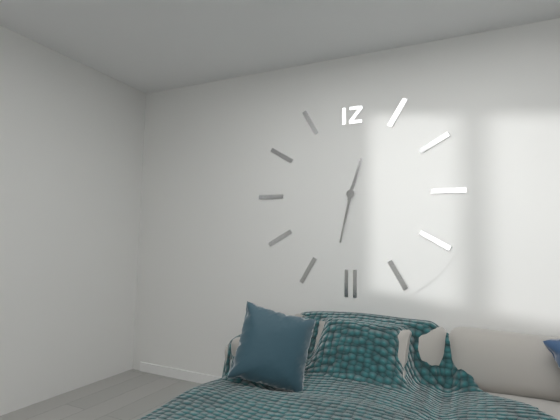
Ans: 12:32
